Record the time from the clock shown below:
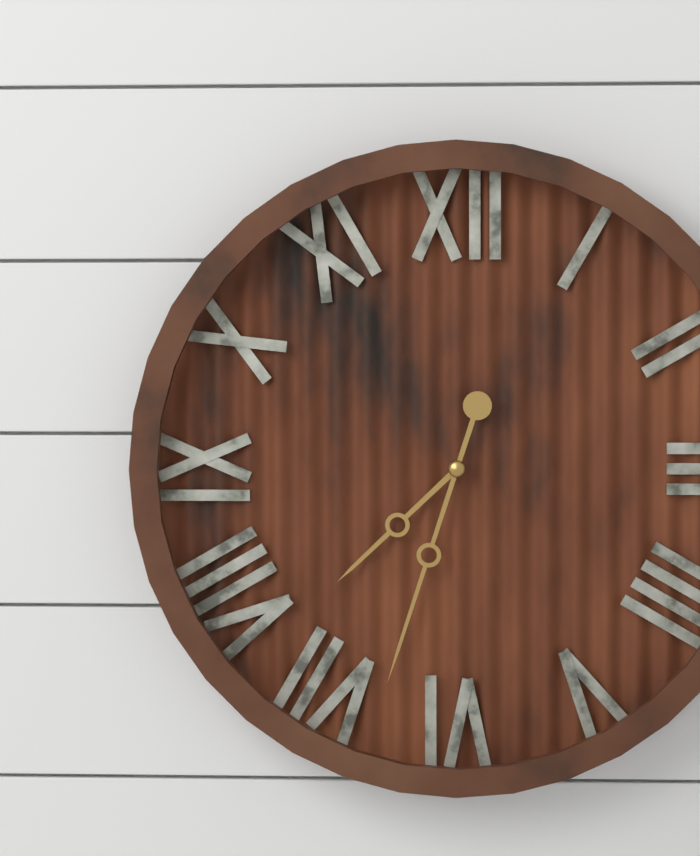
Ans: 7:33
